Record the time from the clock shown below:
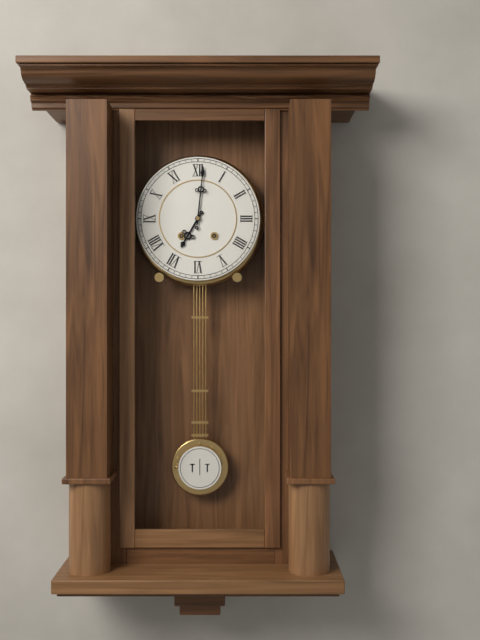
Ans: 7:01
